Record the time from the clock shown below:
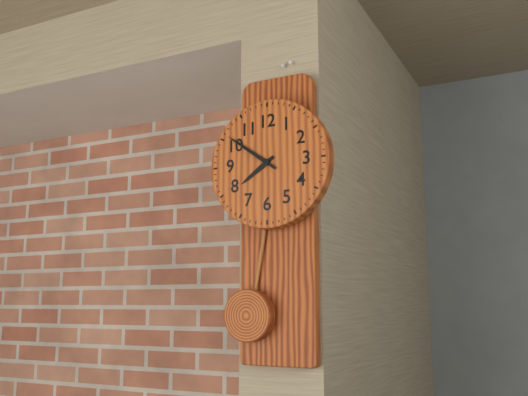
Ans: 7:51
